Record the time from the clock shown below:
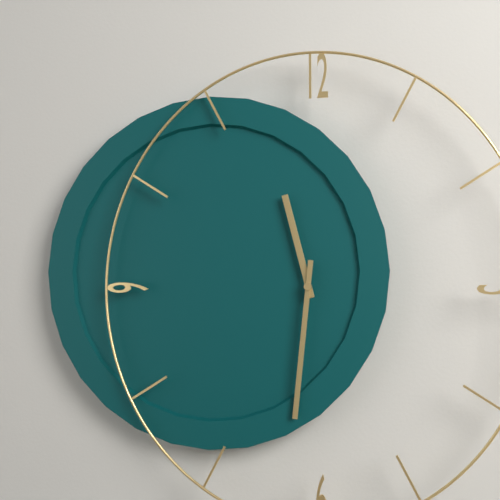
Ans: 11:31
